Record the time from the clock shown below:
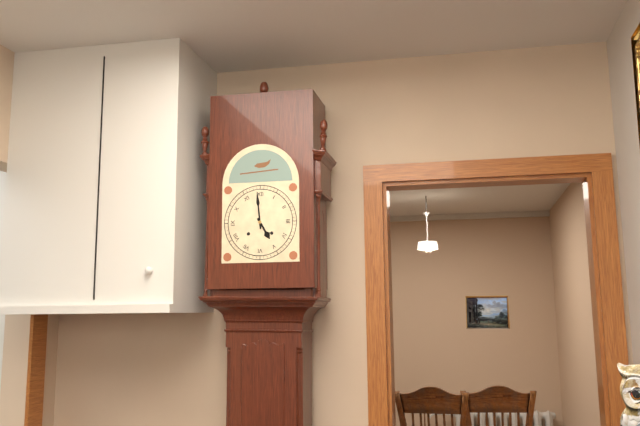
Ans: 4:59
